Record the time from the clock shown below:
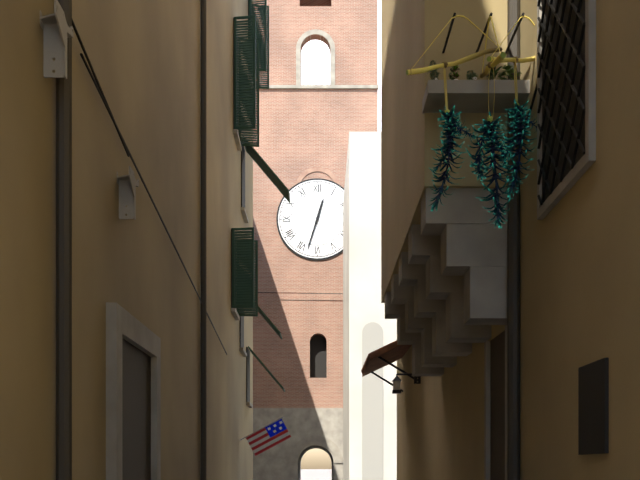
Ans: 12:33
